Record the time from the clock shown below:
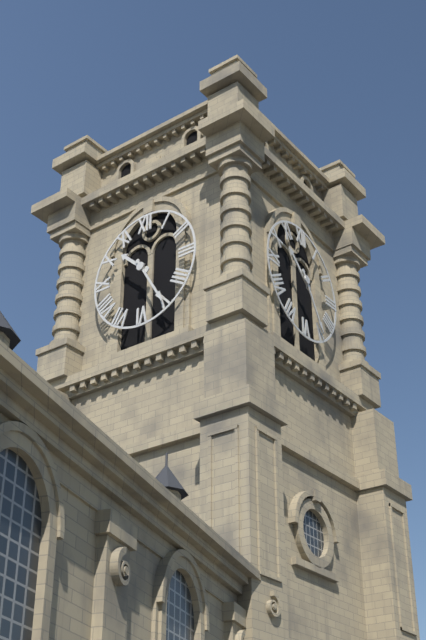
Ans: 10:25
